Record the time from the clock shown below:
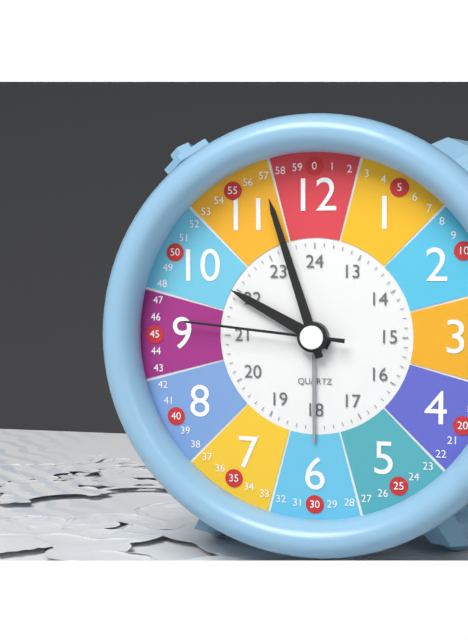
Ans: 9:57:46
